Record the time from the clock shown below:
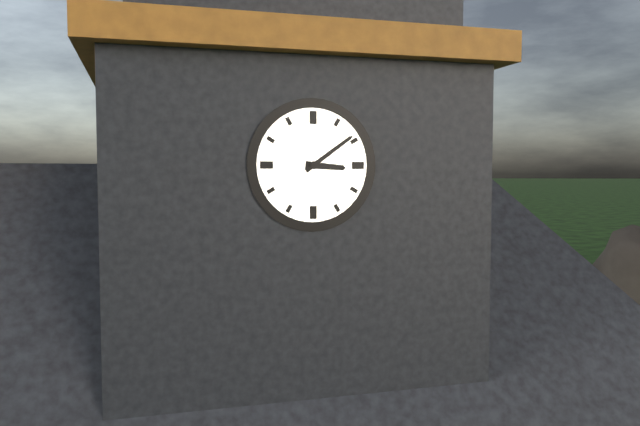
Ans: 3:09
